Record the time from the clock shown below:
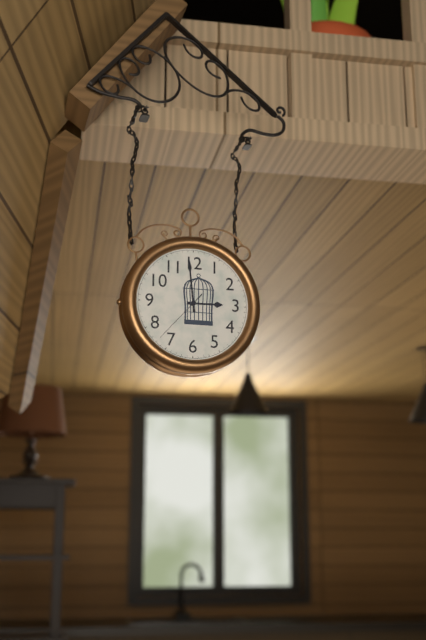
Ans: 2:59:37
